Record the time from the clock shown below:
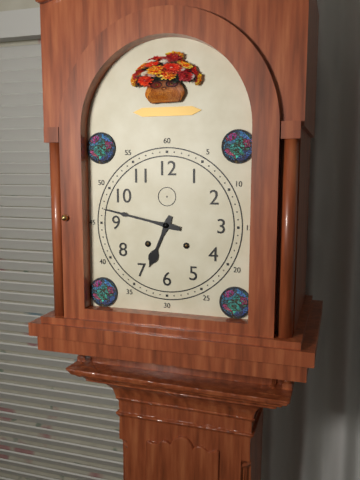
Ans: 6:47
